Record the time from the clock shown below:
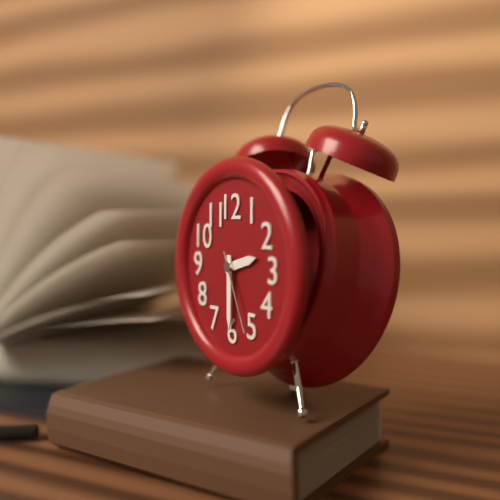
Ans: 2:30:26
